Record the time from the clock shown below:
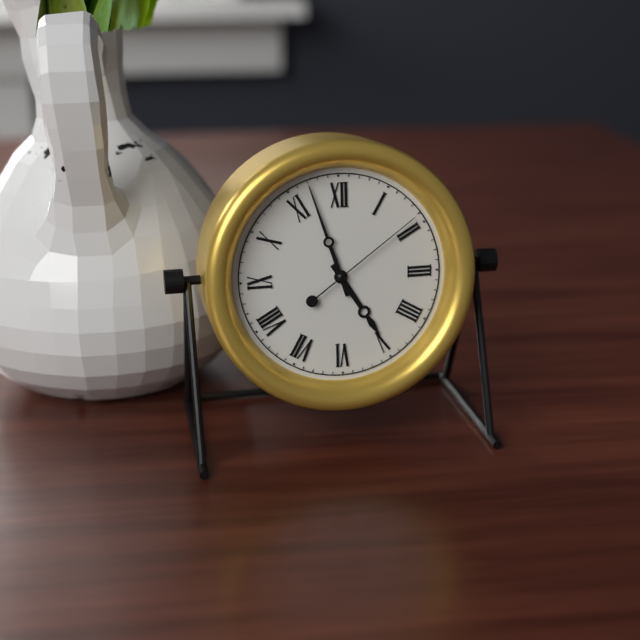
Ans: 4:57:09
